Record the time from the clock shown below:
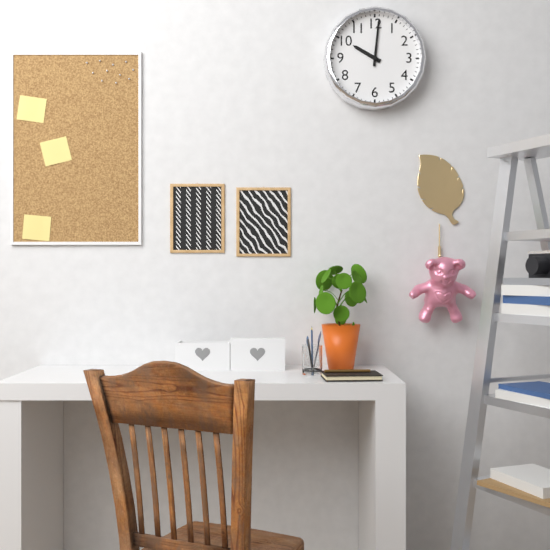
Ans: 10:01
